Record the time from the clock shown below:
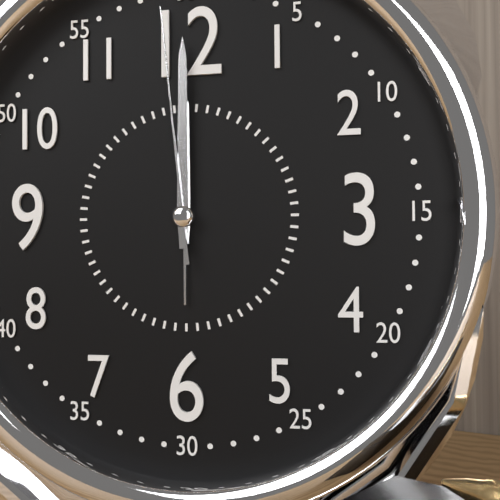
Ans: 12:00:59
